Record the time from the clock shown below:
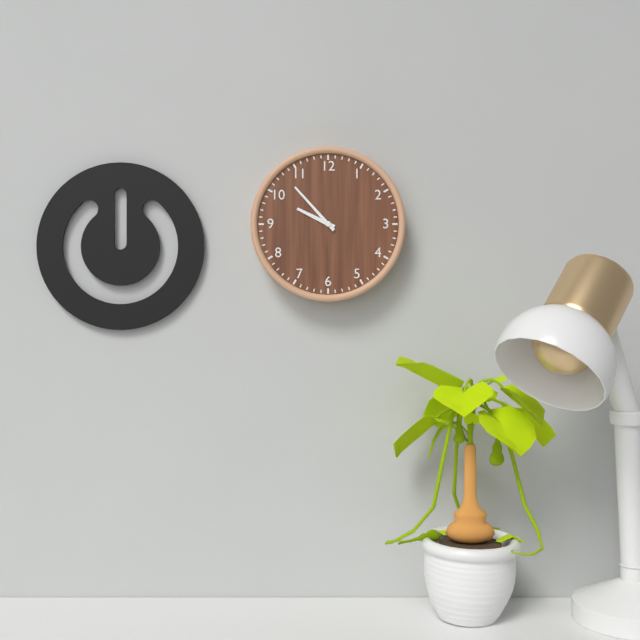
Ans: 9:53
